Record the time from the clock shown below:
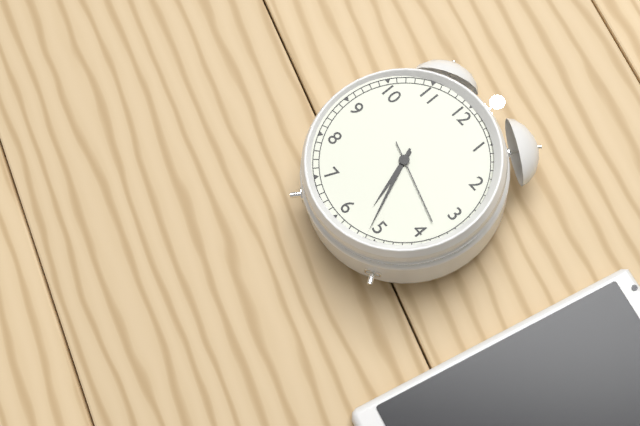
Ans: 5:26:18
